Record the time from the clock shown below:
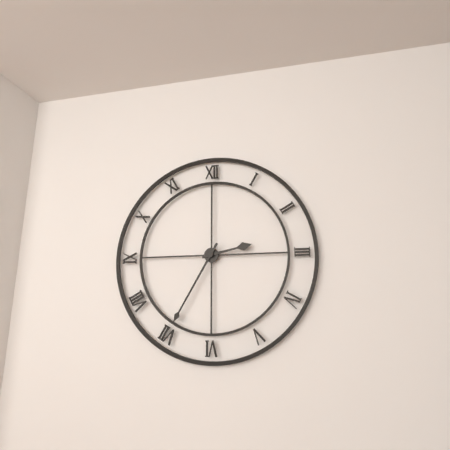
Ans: 2:35
